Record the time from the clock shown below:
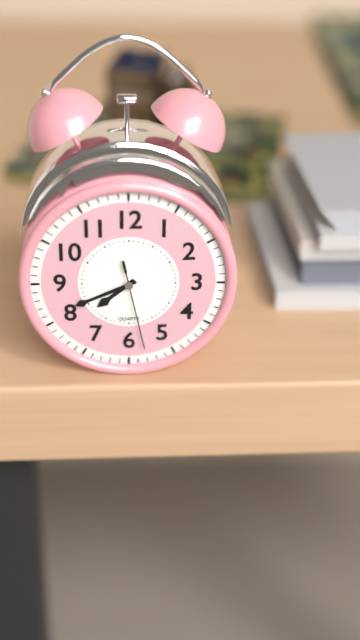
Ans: 7:41:28
